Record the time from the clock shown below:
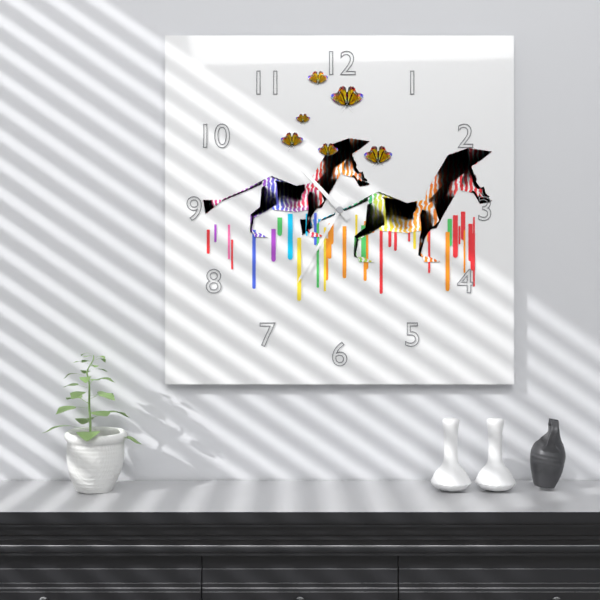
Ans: 10:35
